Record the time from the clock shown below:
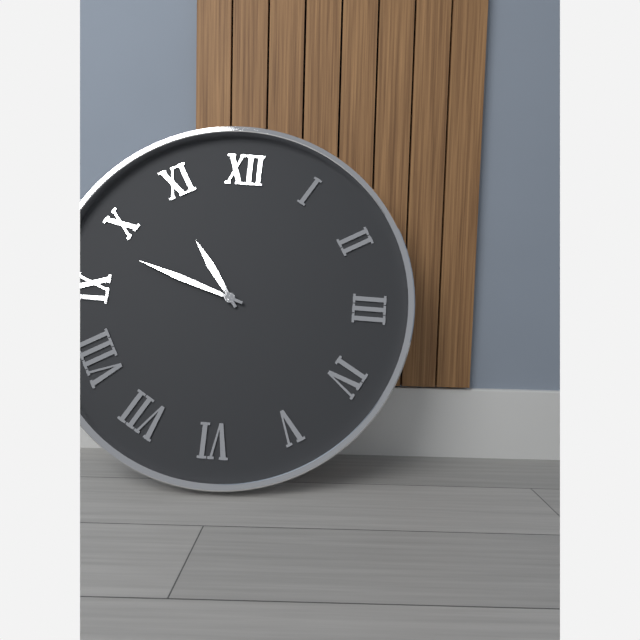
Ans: 10:48
